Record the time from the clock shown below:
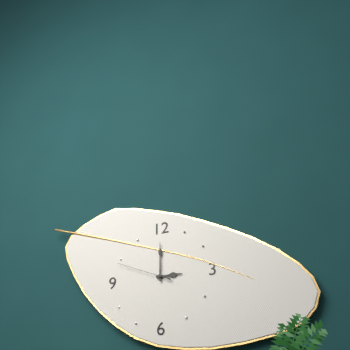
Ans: 3:00:49
